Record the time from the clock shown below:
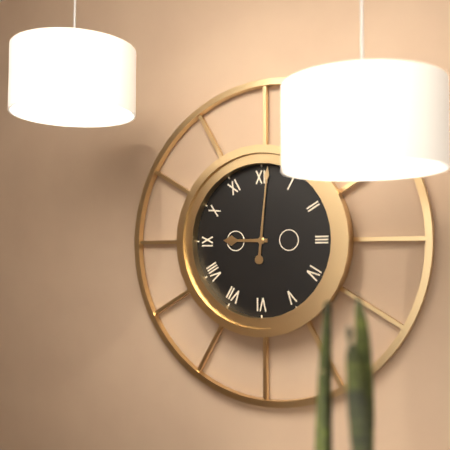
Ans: 9:01
